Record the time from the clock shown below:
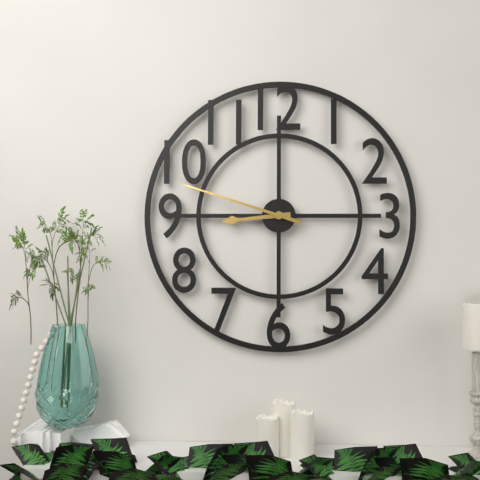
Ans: 8:48
